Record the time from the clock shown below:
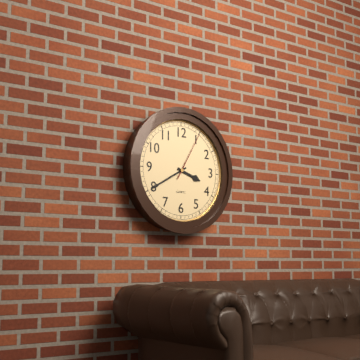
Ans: 3:40:05
